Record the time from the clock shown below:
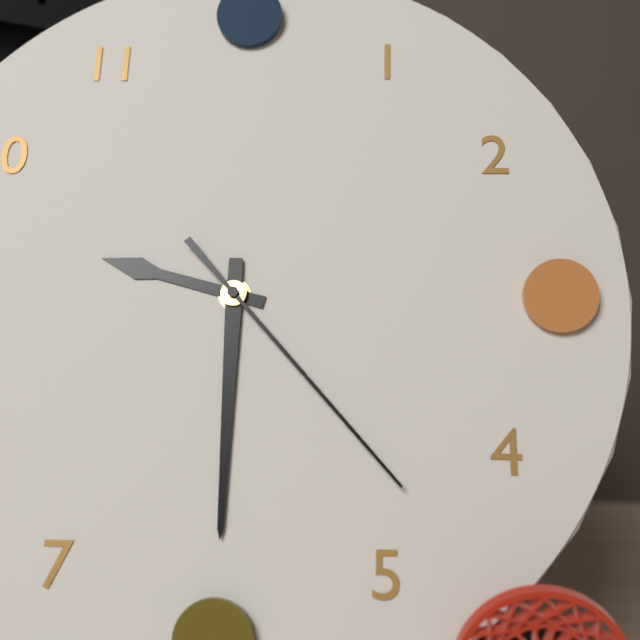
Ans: 9:30:23
